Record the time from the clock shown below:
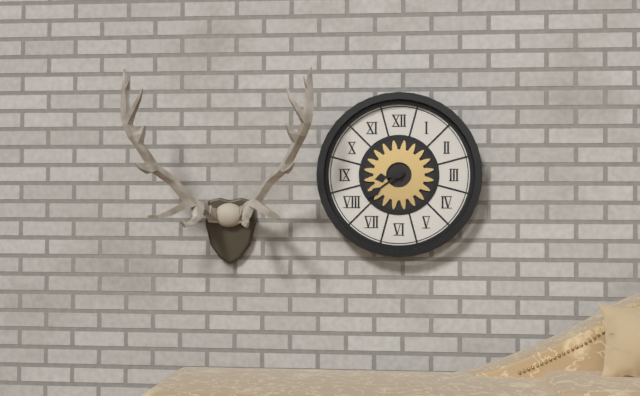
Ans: 8:39
